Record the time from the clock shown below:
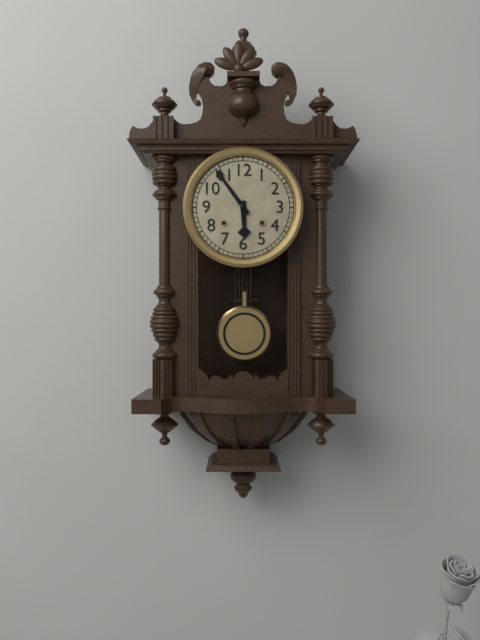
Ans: 5:54
